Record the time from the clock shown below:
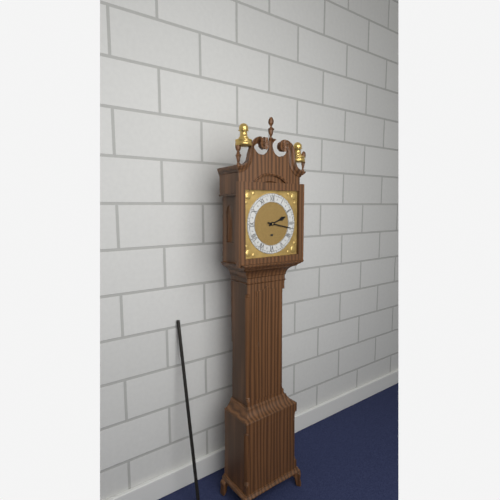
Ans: 2:17
